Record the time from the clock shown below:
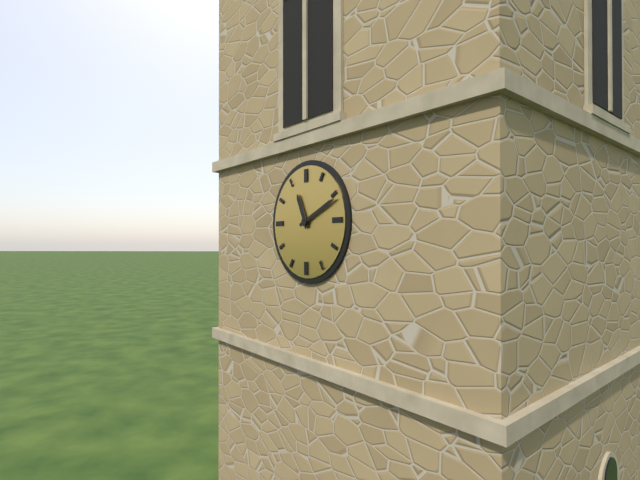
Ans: 11:11
